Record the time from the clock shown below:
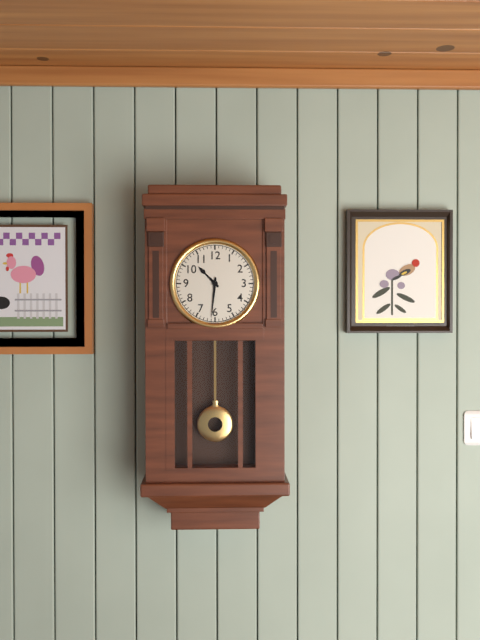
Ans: 10:31
